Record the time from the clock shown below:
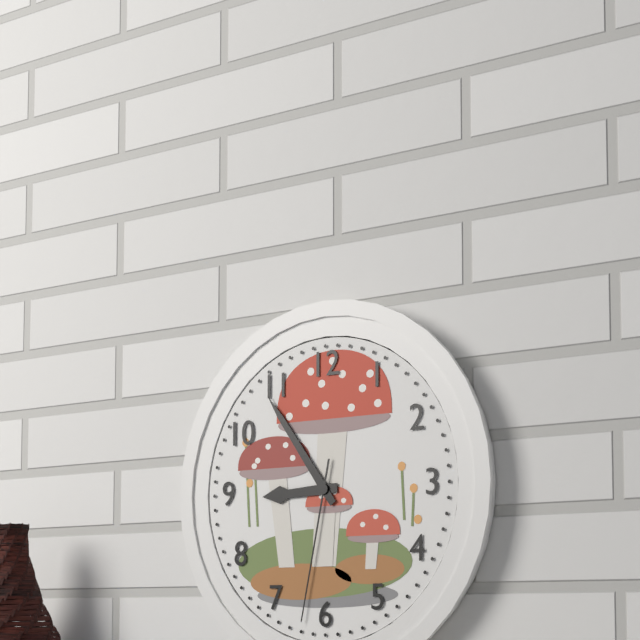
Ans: 8:54:32
